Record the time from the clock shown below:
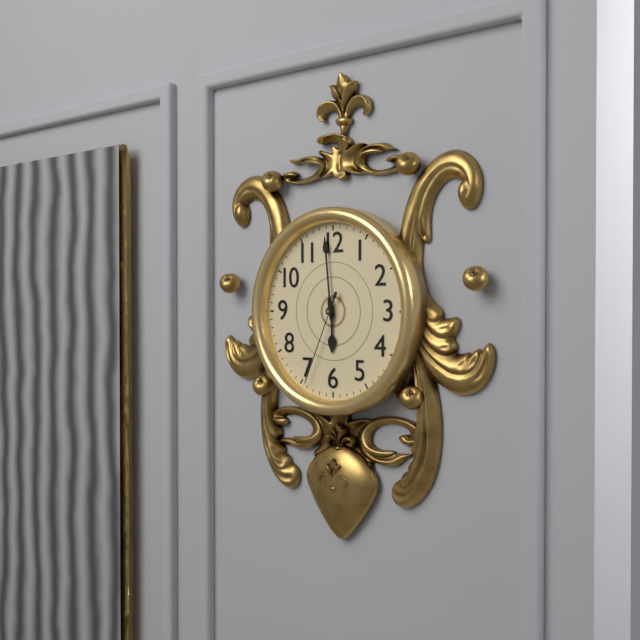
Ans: 5:59:34
